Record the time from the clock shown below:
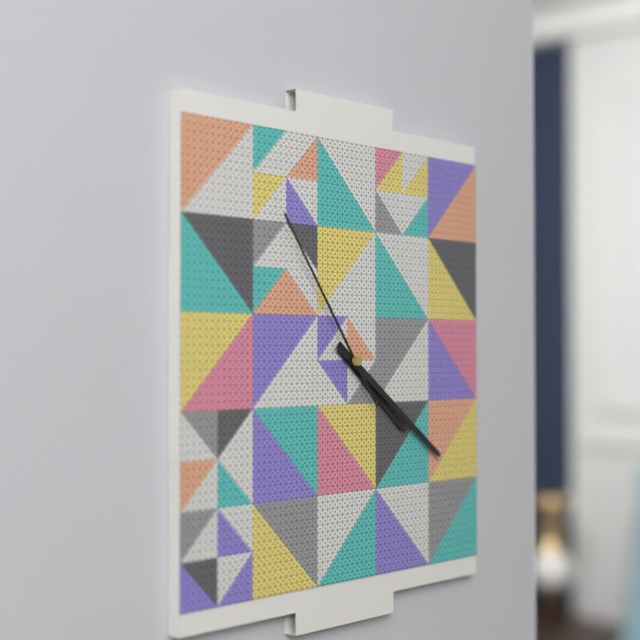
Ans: 4:21:54
